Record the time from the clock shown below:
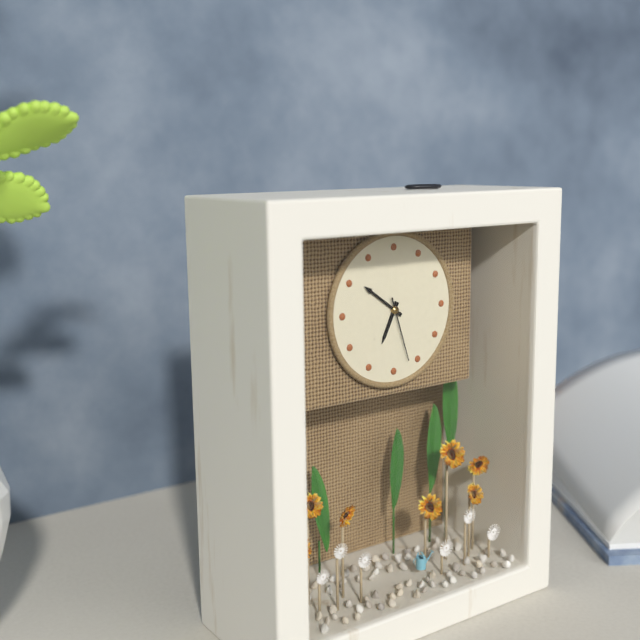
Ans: 6:51:27
